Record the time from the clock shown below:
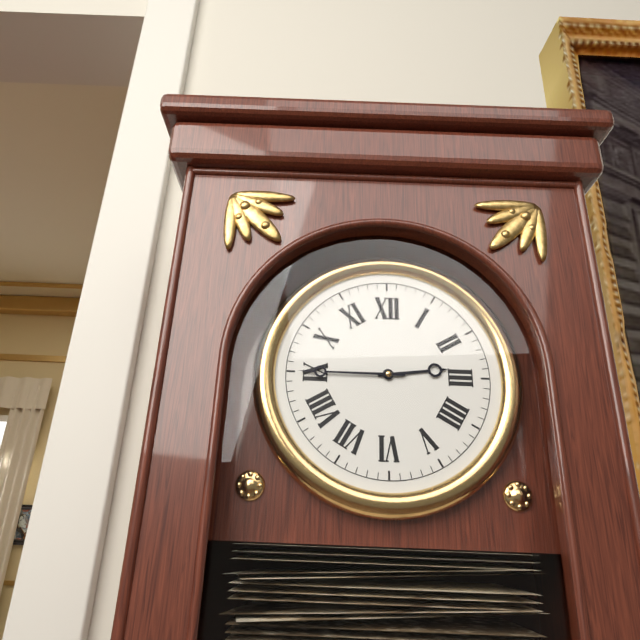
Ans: 2:45
